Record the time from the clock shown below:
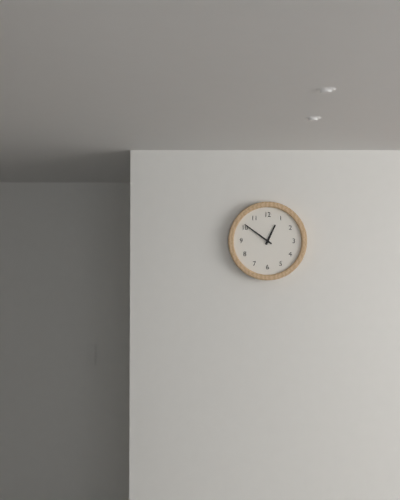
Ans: 12:51
